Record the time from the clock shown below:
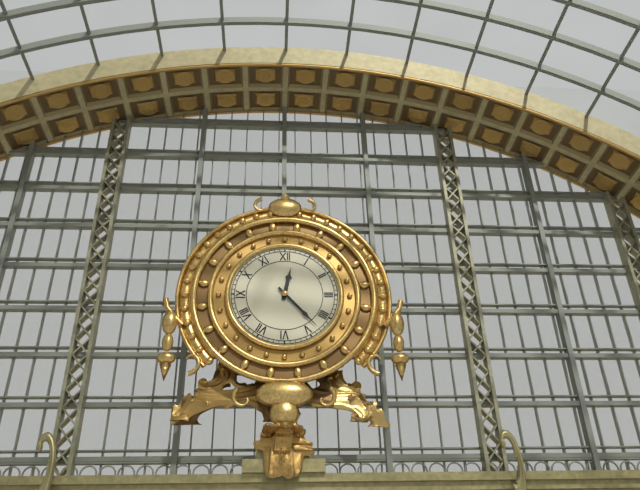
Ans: 12:23
